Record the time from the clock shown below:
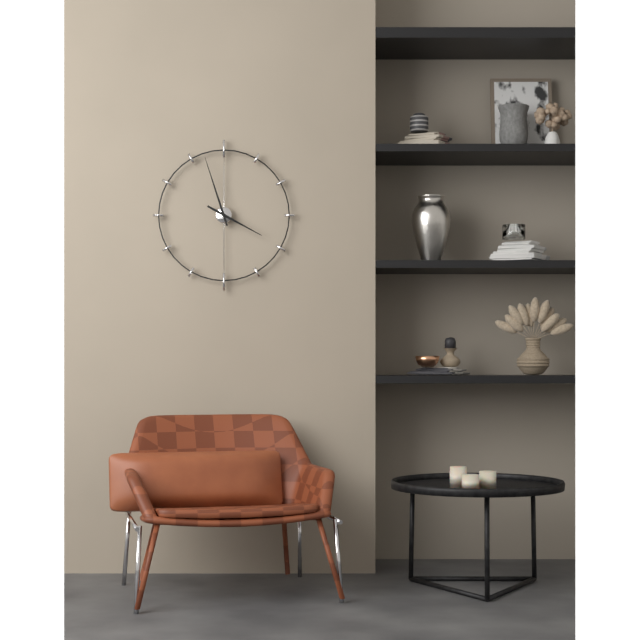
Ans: 3:57
